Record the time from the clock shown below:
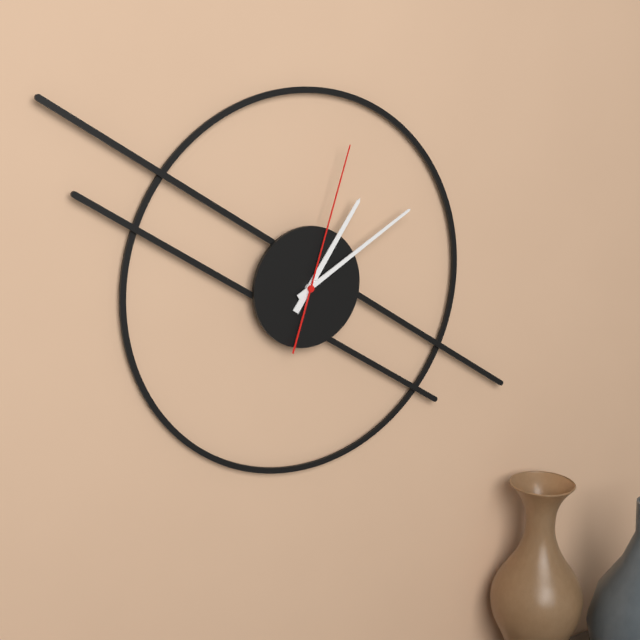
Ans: 1:10:03
